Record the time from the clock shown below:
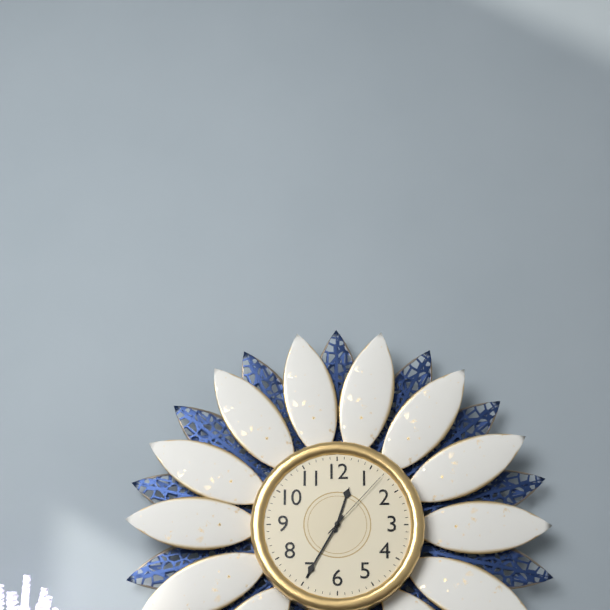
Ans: 12:35:07
